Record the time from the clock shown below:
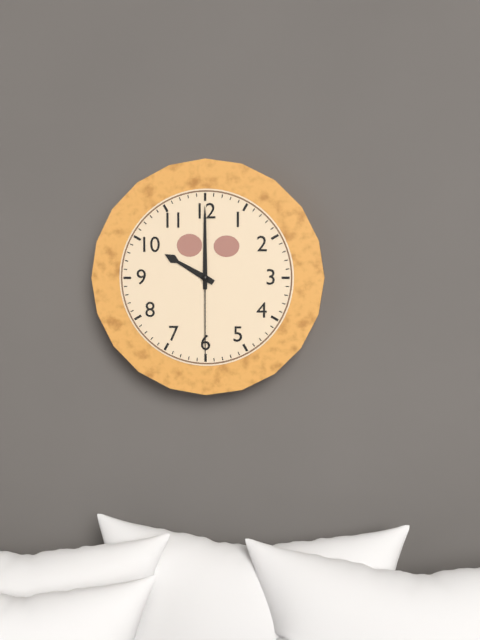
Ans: 10:00:30
